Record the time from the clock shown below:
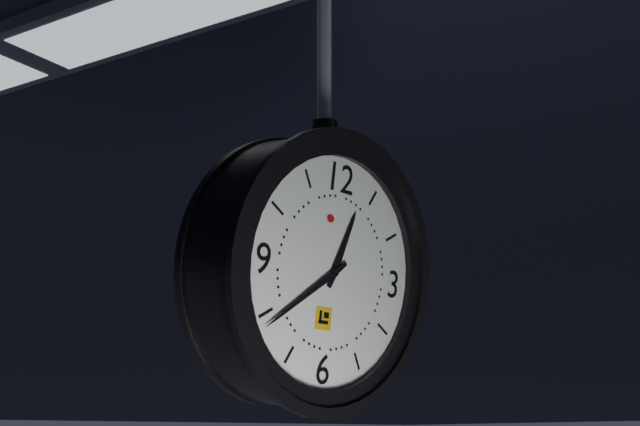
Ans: 12:39
